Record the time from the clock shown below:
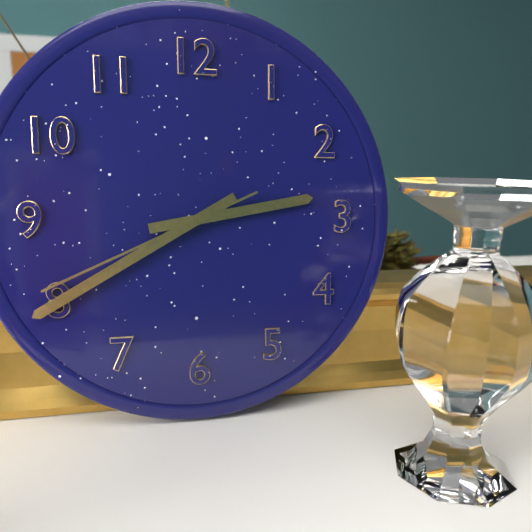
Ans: 2:40:41
